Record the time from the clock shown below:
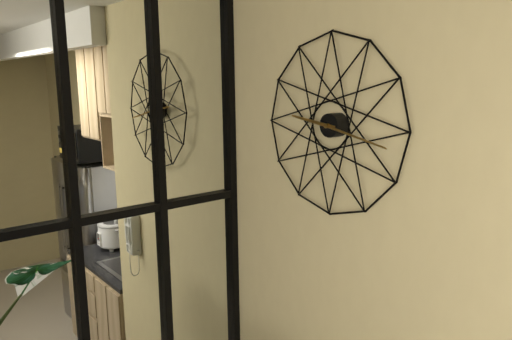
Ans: 9:17
